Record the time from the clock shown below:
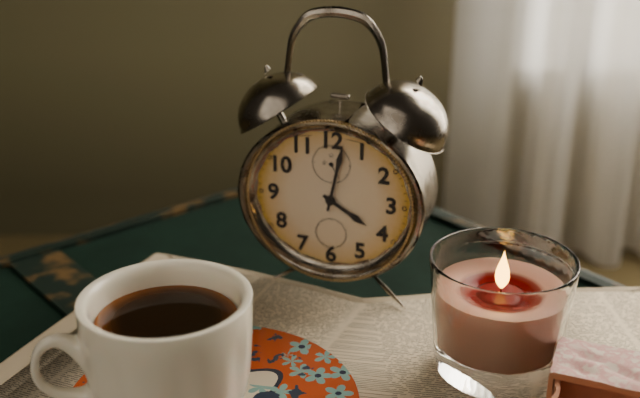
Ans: 4:02
